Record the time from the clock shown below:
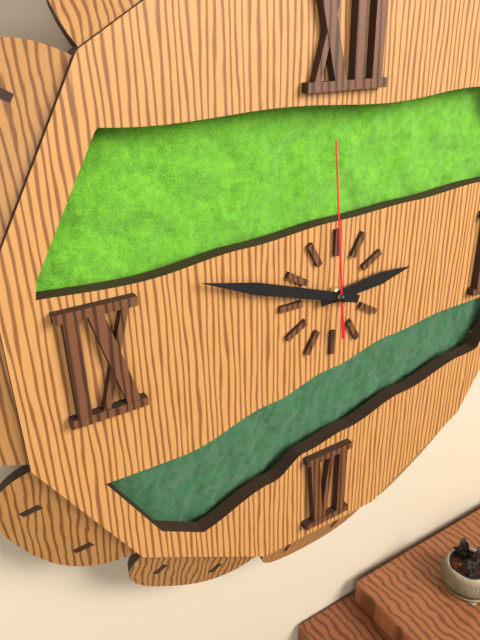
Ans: 2:48:59
